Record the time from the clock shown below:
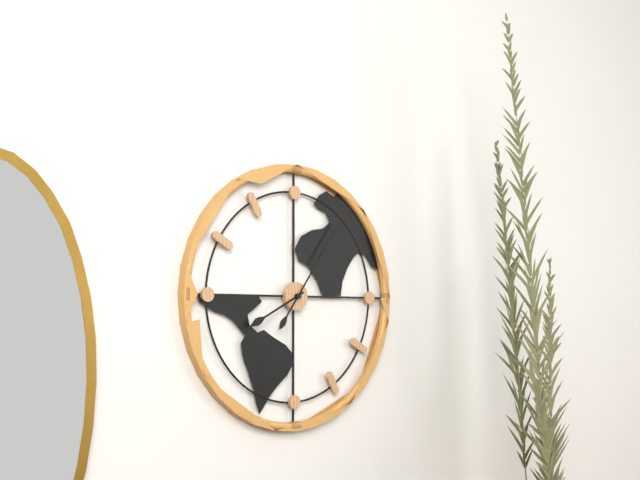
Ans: 8:06
